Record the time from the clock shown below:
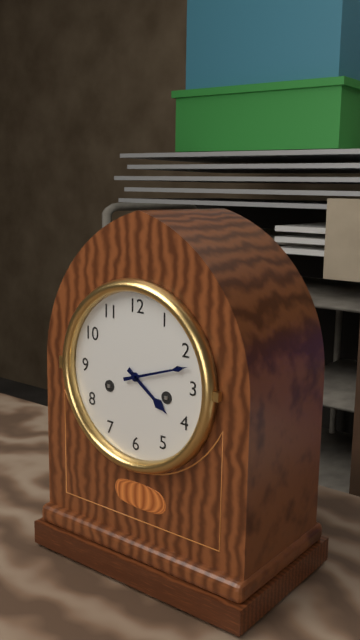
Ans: 4:12
